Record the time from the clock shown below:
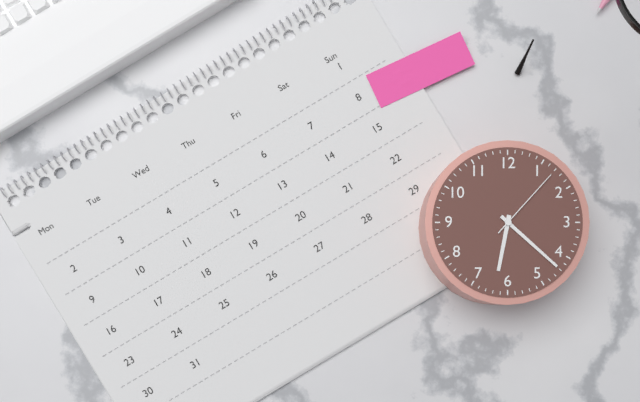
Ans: 6:22:07
